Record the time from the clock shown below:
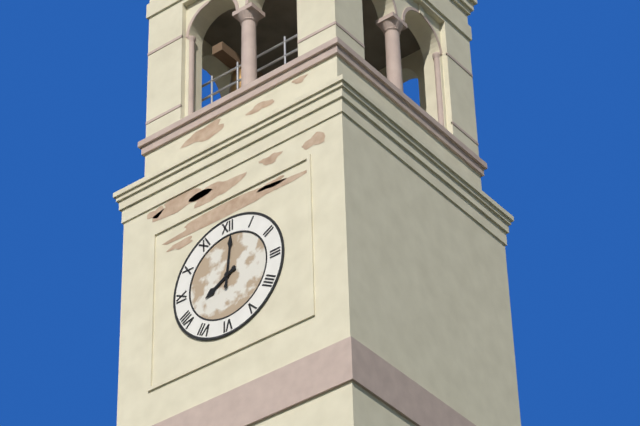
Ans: 8:01
